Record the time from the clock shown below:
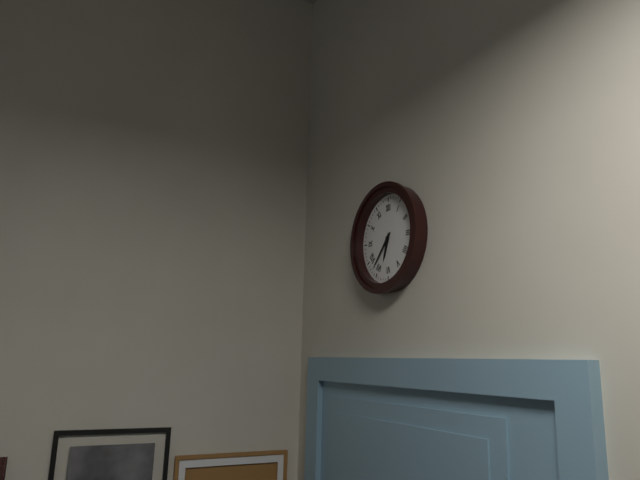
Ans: 6:37
